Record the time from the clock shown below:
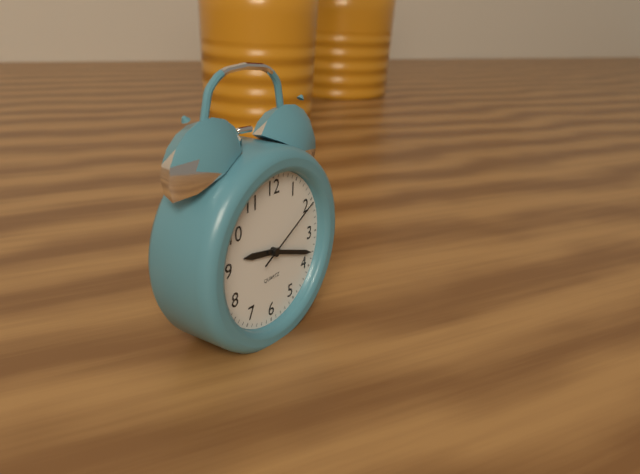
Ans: 9:18:10
